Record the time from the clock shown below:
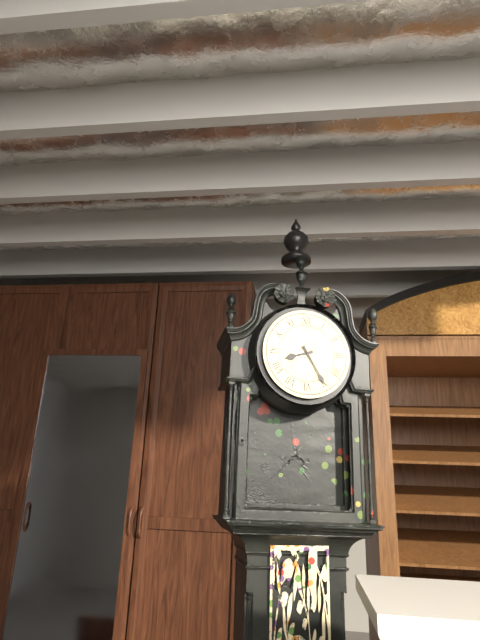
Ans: 8:25
